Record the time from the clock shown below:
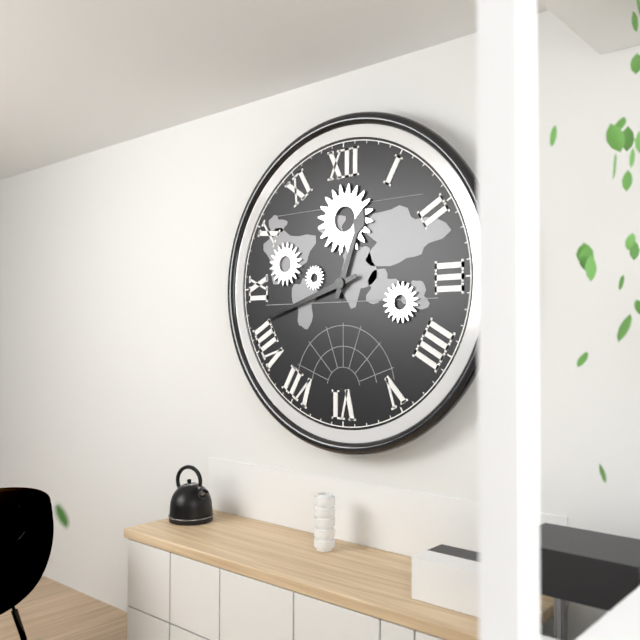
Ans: 12:42
